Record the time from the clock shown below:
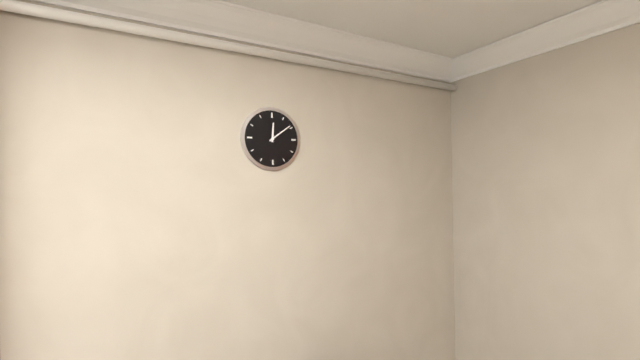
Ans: 12:09
